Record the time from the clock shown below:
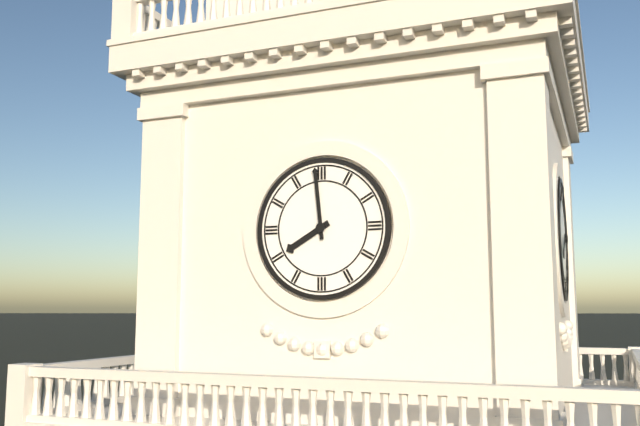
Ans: 7:59
